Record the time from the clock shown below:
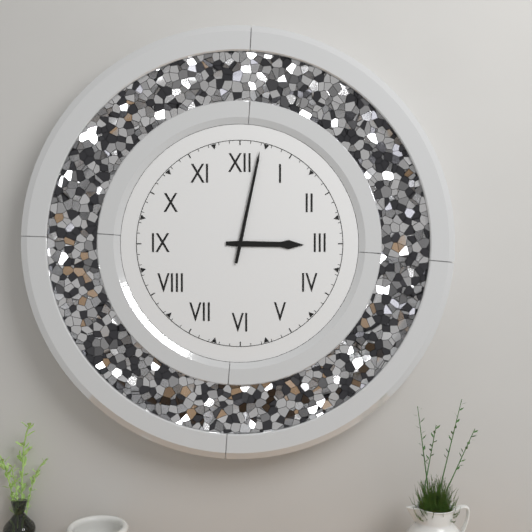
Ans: 3:02
